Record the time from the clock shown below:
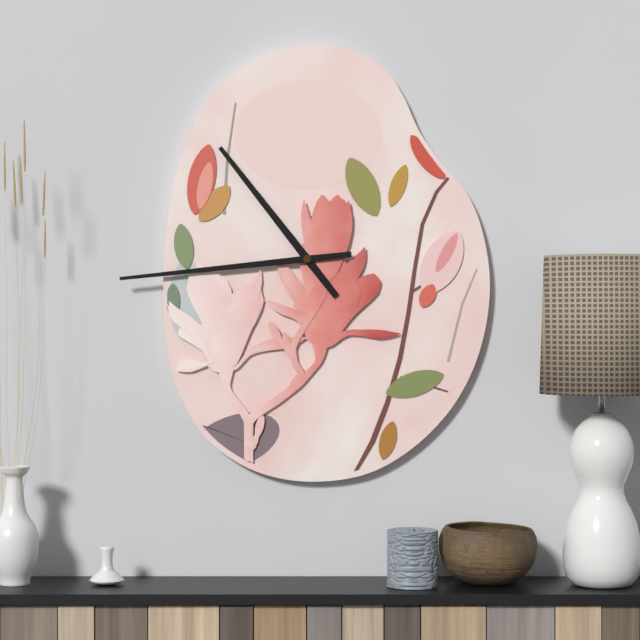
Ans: 10:44
